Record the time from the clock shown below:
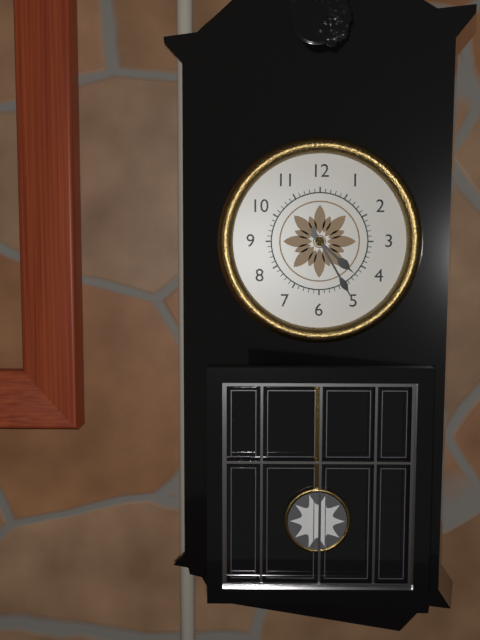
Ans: 4:25
